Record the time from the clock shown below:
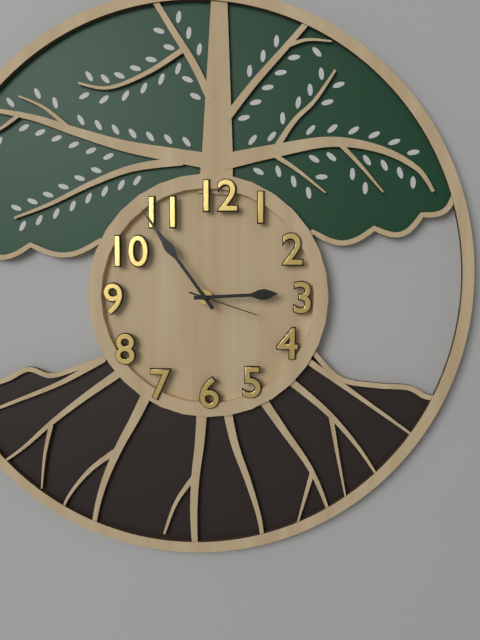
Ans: 2:54:18
